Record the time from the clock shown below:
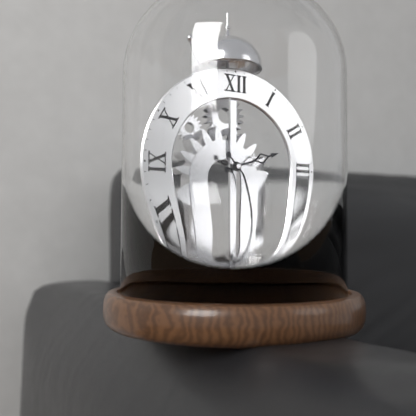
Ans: 2:23
